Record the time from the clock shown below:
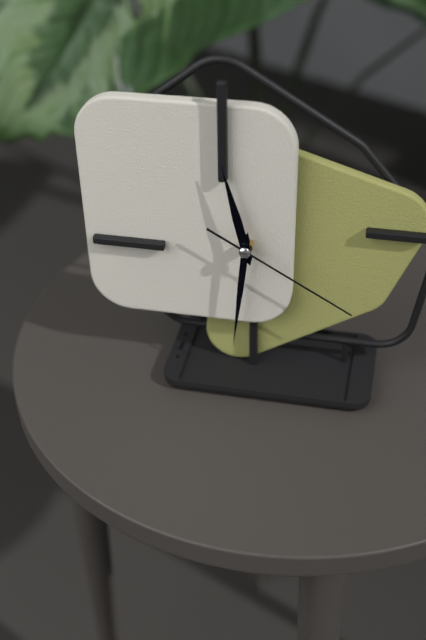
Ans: 11:31:20
